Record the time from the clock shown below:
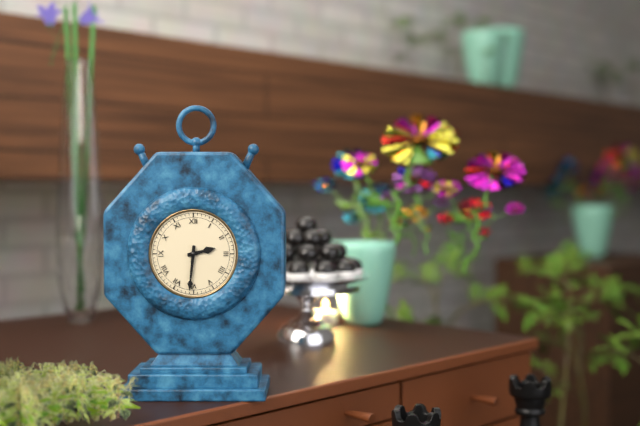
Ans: 2:31
